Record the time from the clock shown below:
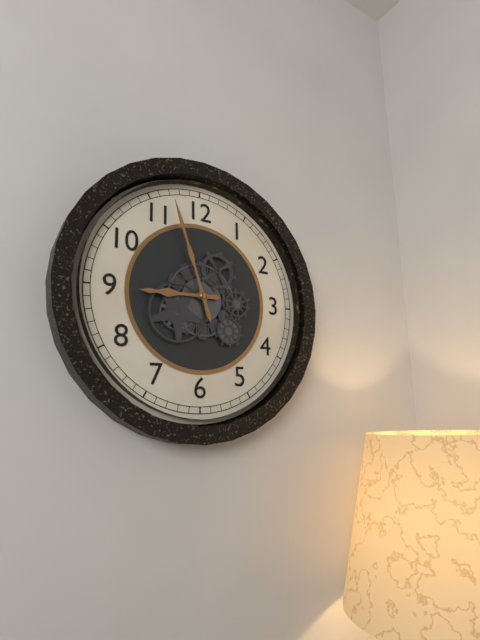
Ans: 8:57
